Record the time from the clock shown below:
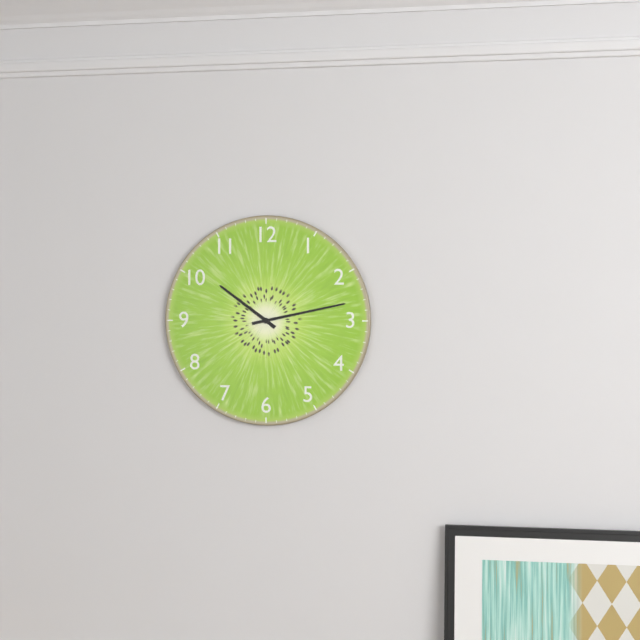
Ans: 10:13
